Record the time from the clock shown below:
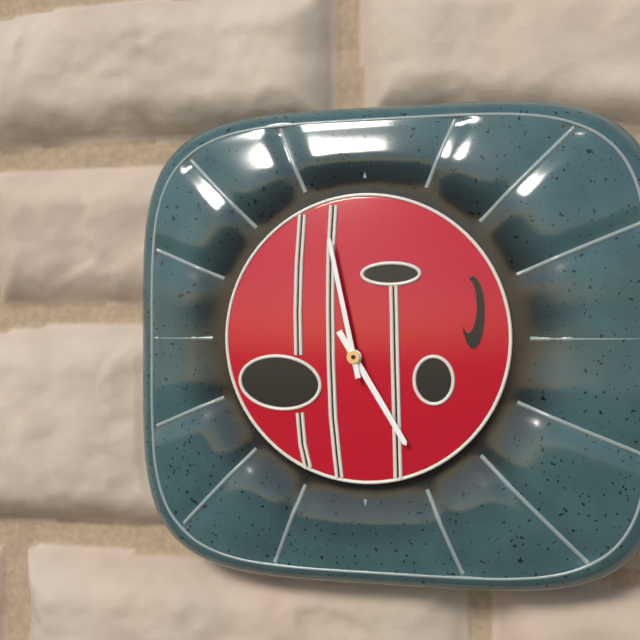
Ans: 4:58
